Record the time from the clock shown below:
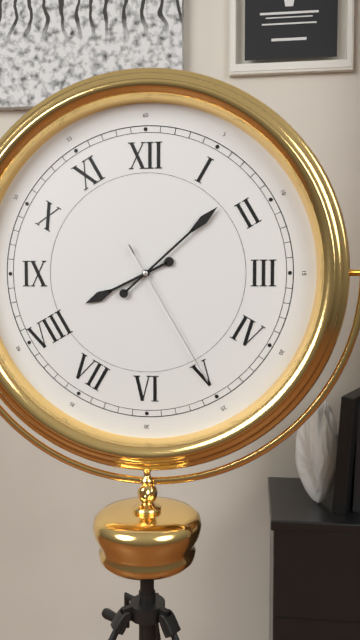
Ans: 8:08:25
